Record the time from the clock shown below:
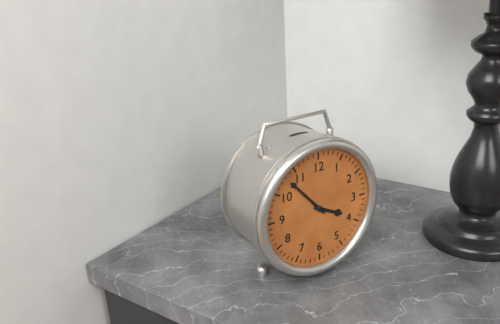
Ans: 3:53
